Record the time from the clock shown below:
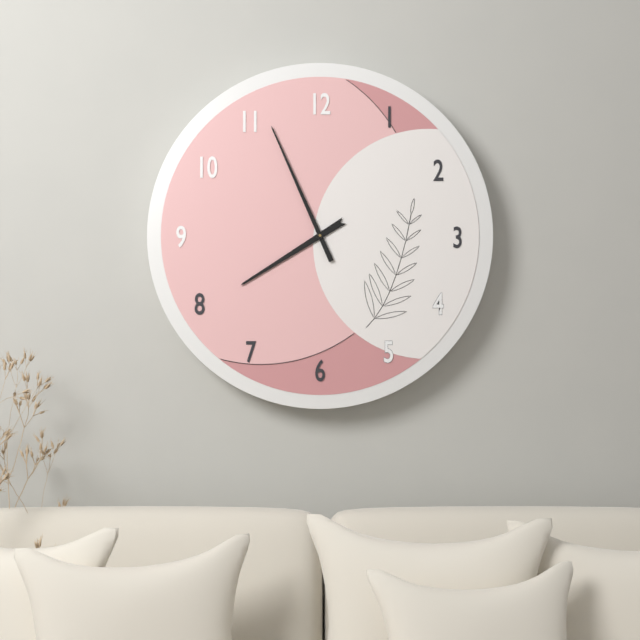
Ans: 7:56
